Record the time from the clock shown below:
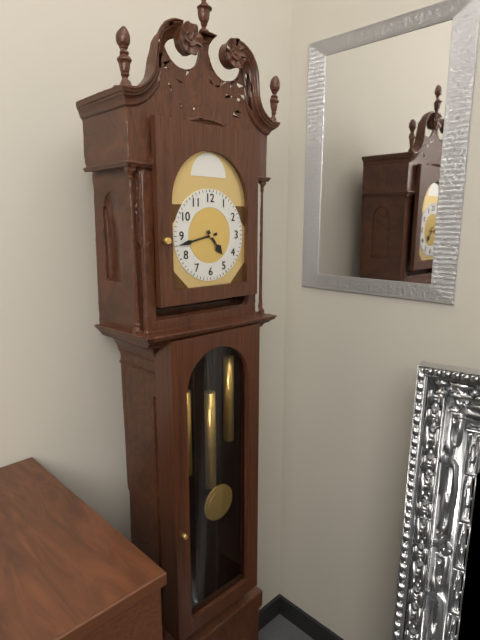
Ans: 4:43
